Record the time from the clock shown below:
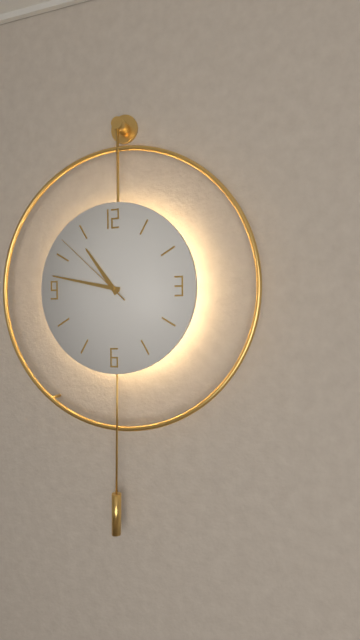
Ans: 10:47:52
